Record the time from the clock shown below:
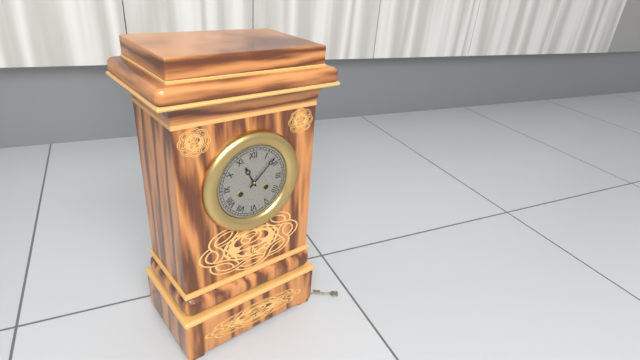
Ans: 11:08
